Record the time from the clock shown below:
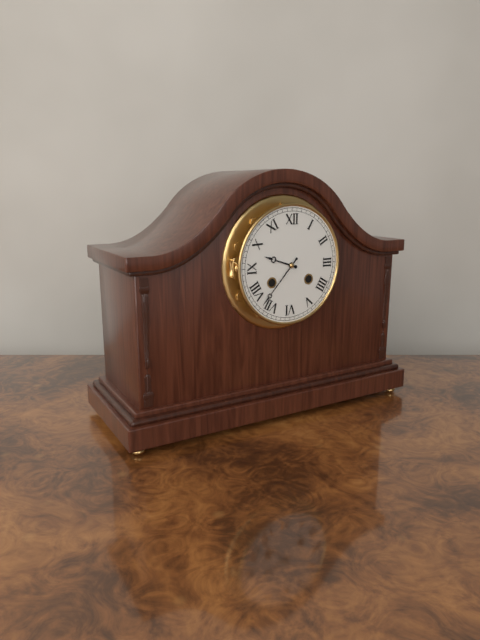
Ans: 9:37
